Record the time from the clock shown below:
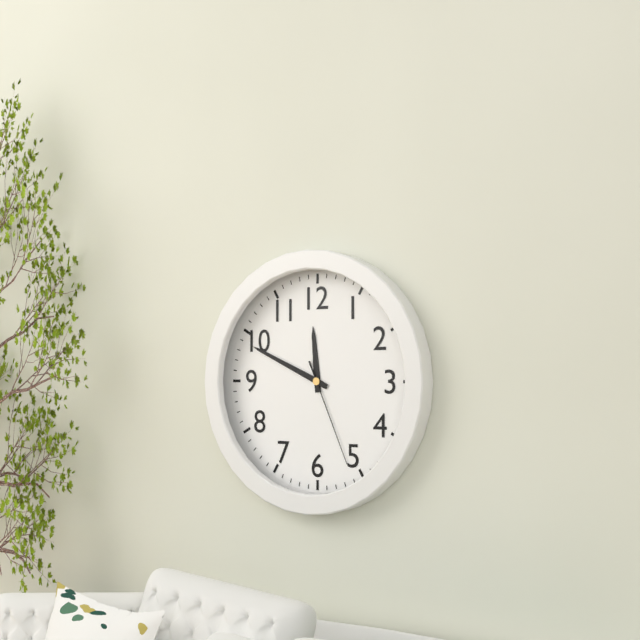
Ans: 11:49:26
